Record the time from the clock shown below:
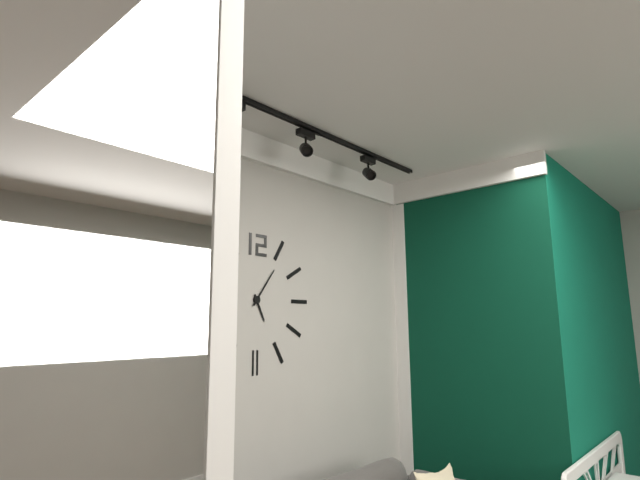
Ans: 5:06
